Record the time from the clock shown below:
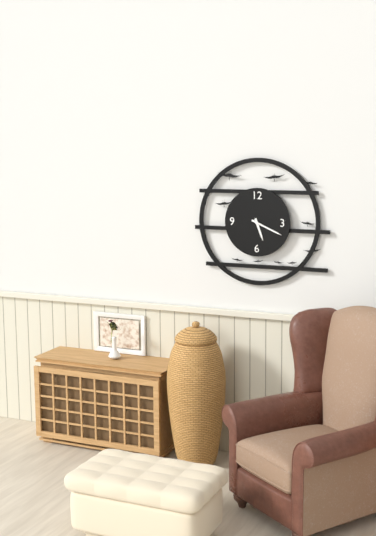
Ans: 5:19
